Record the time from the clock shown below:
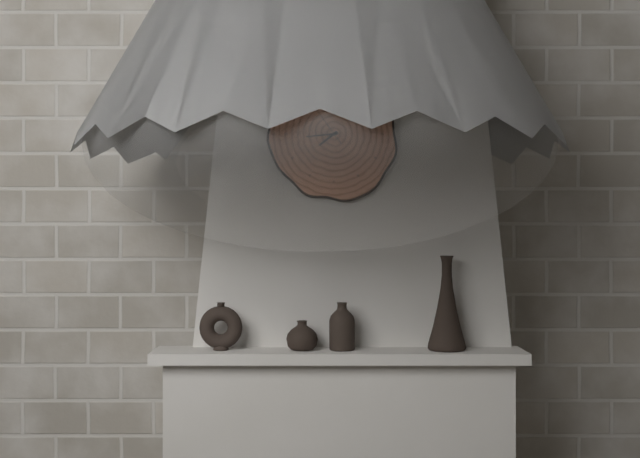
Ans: 7:44
